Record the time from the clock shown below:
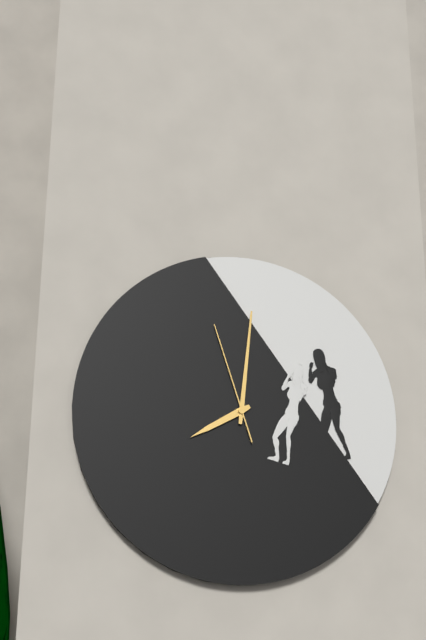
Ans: 8:01:57
